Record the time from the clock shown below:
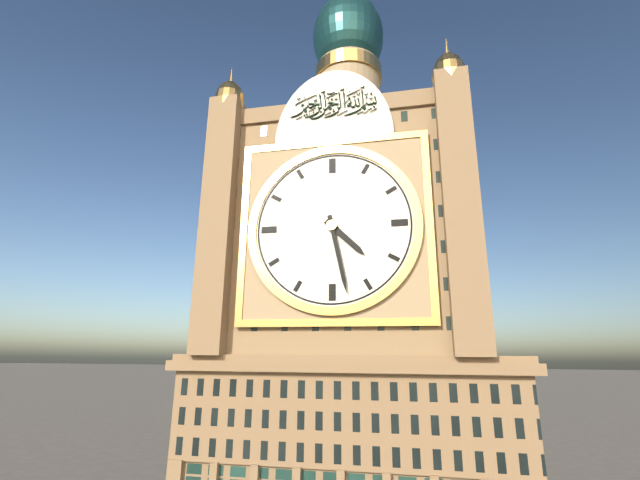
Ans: 4:28
